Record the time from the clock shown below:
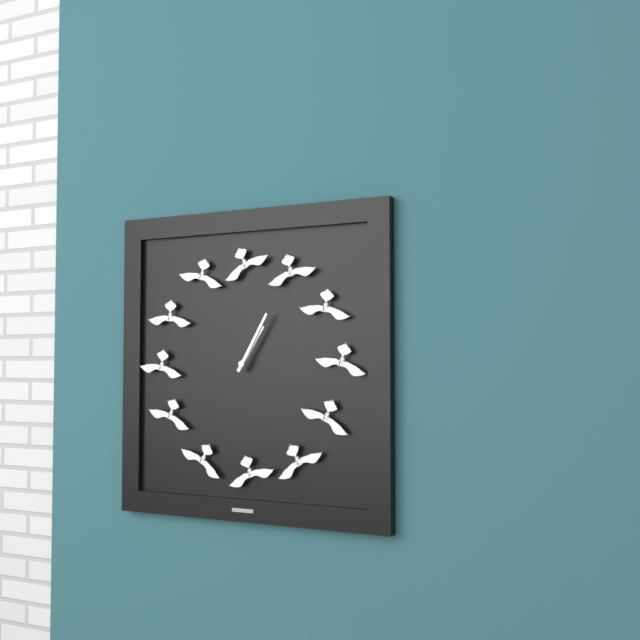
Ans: 1:05
